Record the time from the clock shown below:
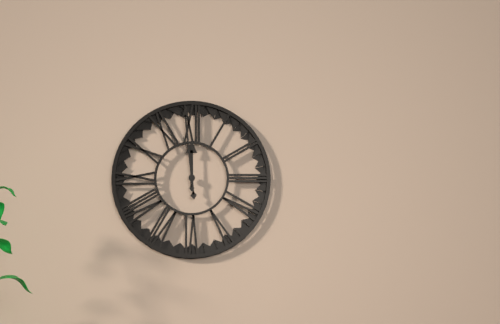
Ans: 11:59
